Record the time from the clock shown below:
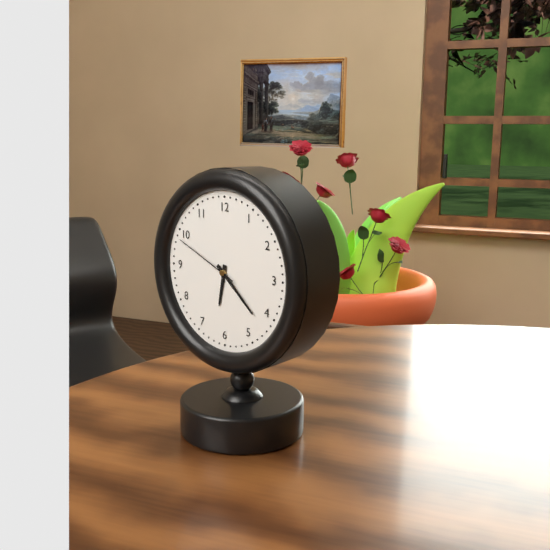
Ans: 6:22:49
